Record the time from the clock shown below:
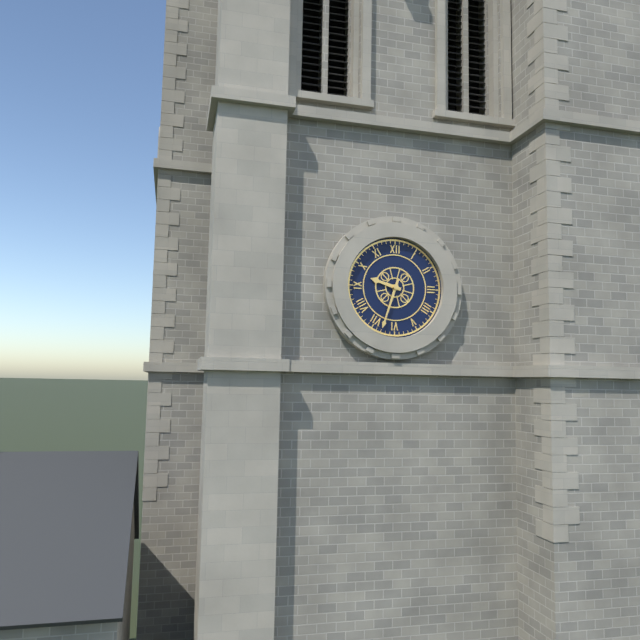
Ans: 9:33
